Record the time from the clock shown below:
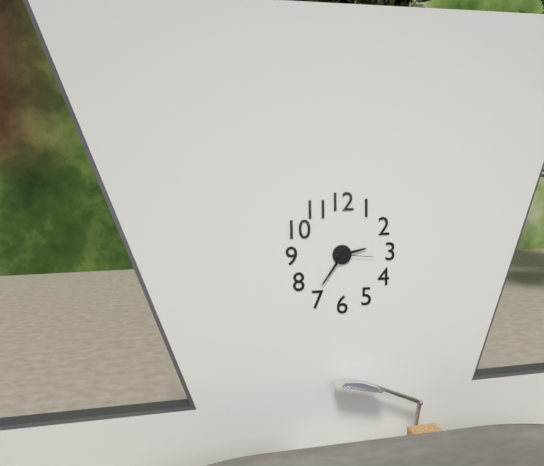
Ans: 2:36
